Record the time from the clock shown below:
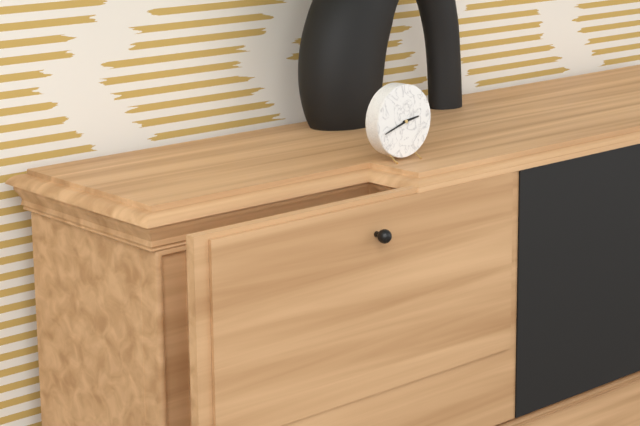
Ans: 2:42
